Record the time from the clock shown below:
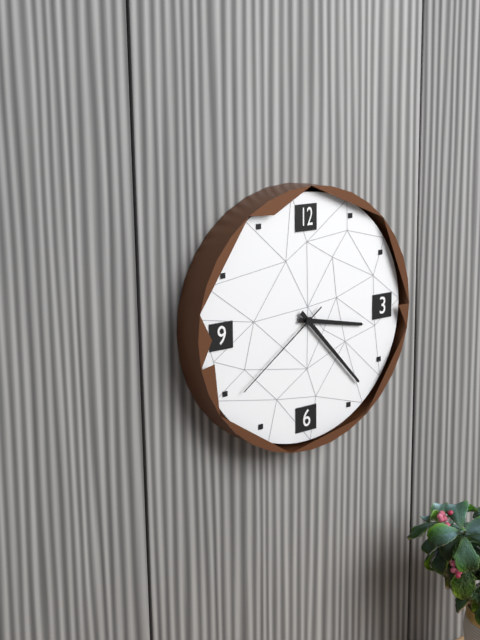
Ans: 3:23:39
